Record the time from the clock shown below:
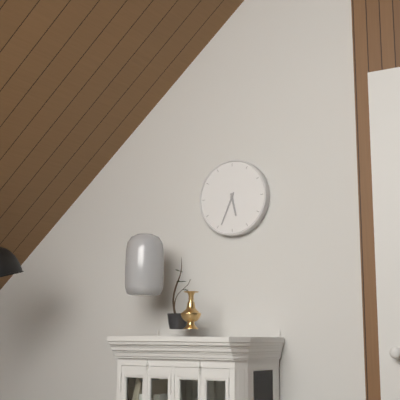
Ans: 5:34
